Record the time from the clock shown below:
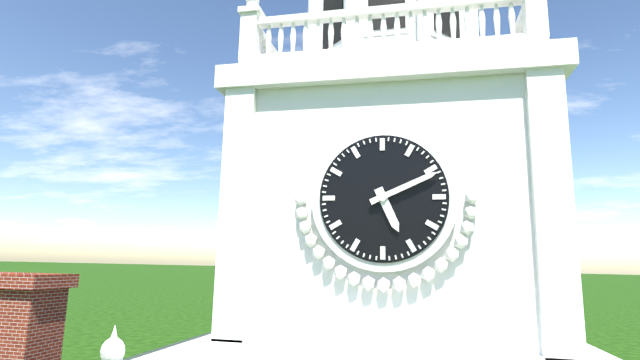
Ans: 5:11
